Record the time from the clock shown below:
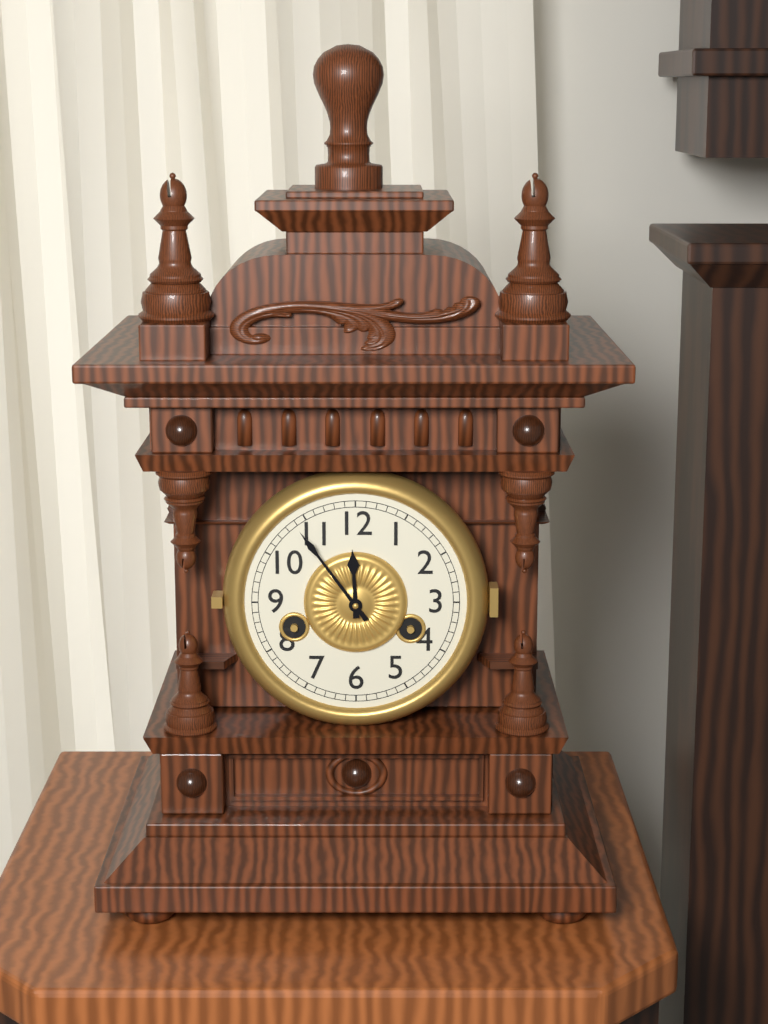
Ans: 11:54
